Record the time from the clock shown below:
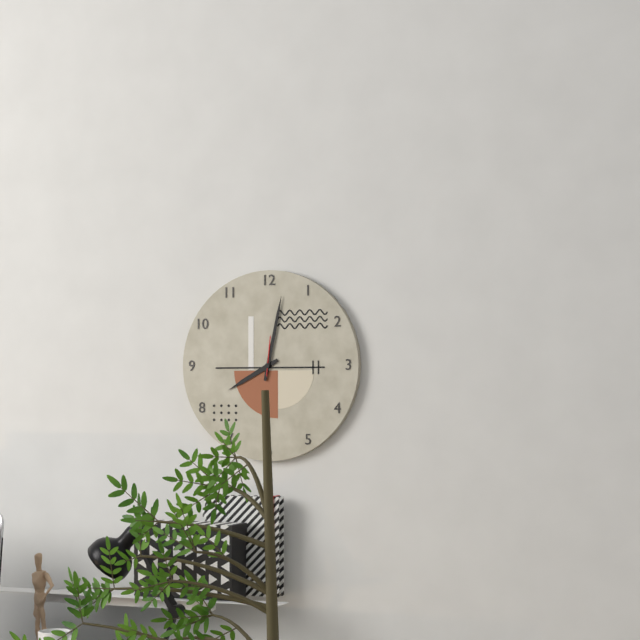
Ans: 8:02
